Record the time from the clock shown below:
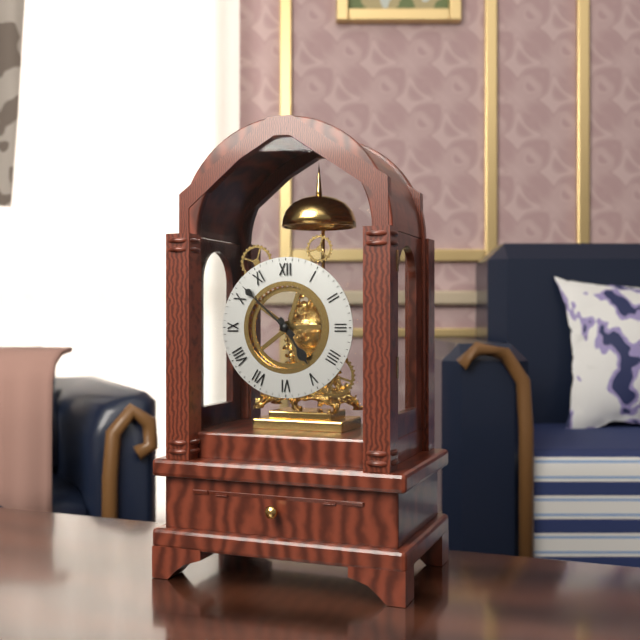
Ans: 4:52
